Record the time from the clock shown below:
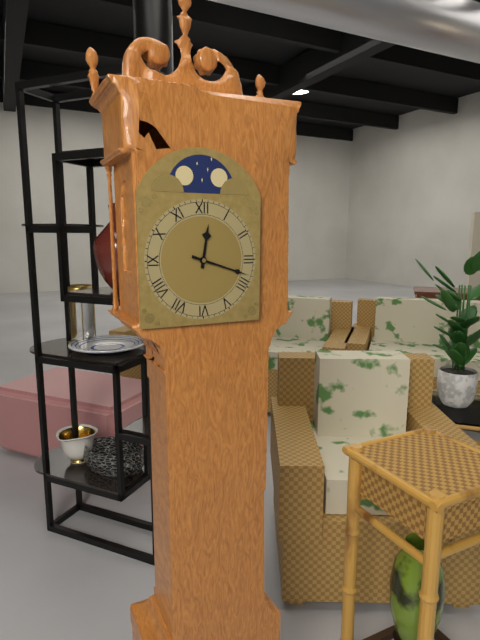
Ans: 12:18
